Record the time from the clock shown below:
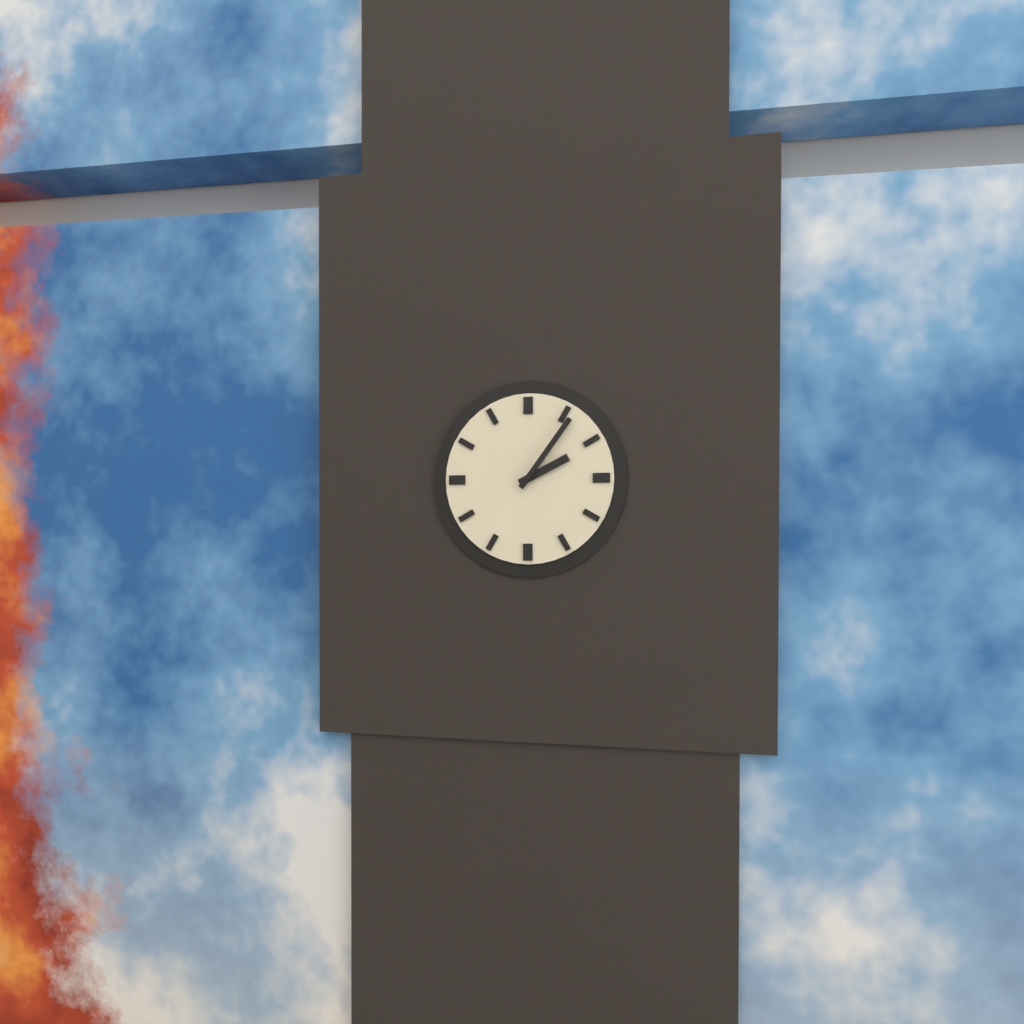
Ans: 2:06
